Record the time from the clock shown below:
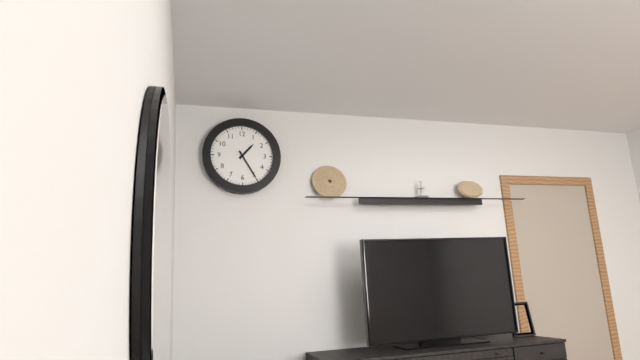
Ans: 1:25
